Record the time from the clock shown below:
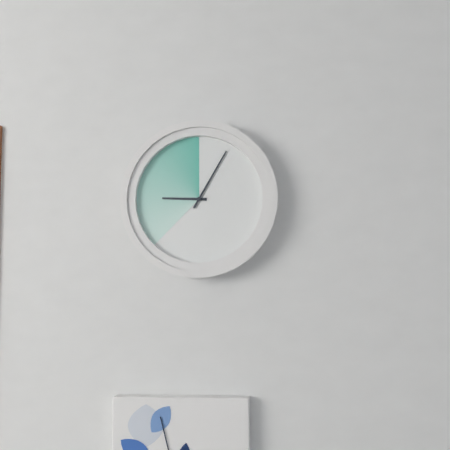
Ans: 9:05
